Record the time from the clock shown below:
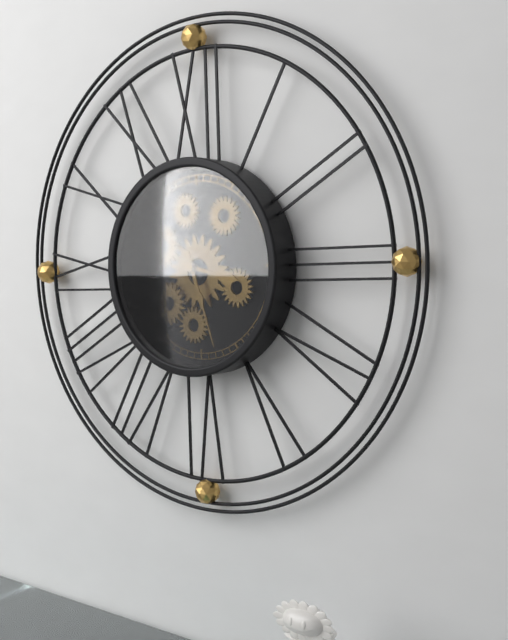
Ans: 3:27
